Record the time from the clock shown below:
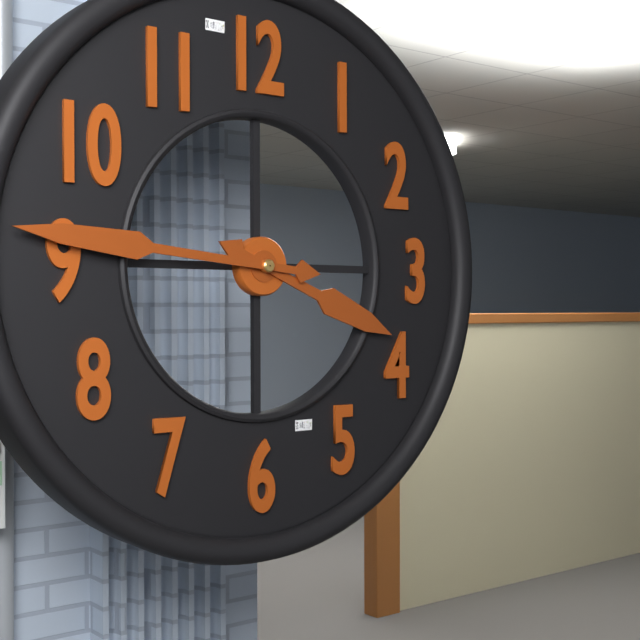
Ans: 3:46
